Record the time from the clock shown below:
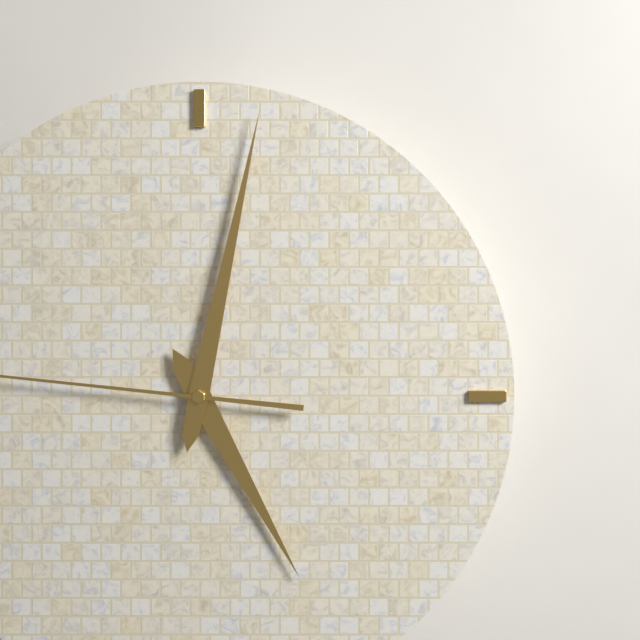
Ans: 5:02
